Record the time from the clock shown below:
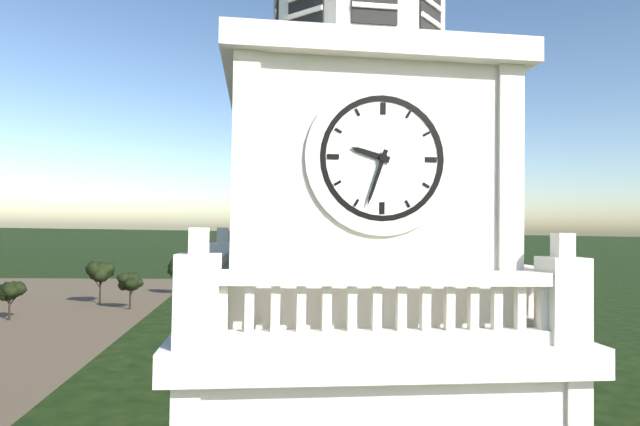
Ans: 9:33
